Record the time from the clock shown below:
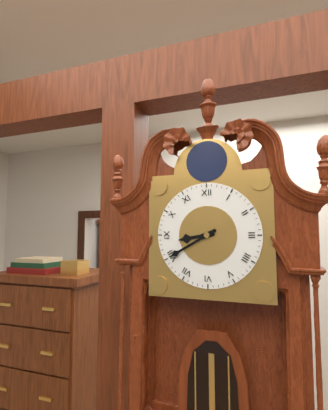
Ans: 8:40
